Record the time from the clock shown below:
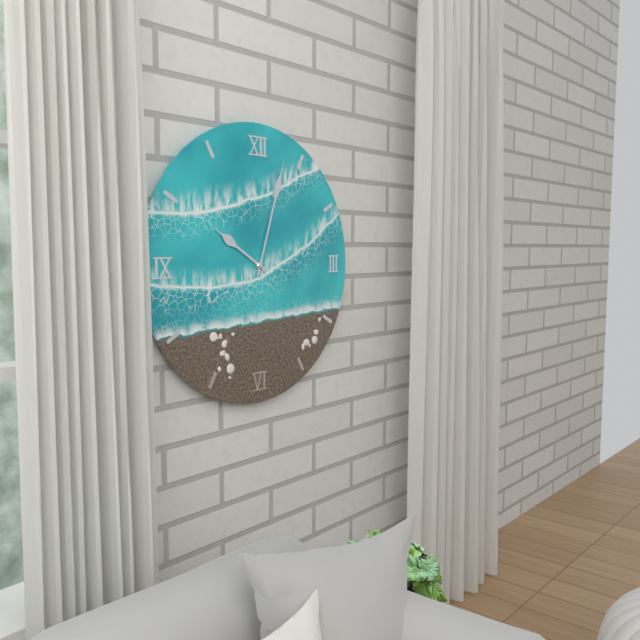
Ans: 10:03
